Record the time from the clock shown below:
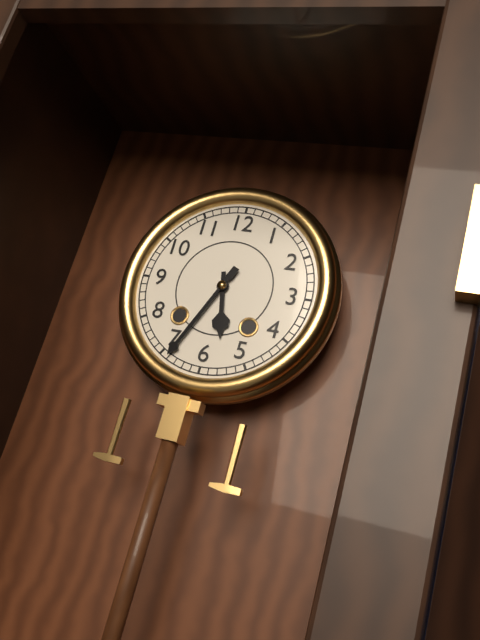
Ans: 5:34
